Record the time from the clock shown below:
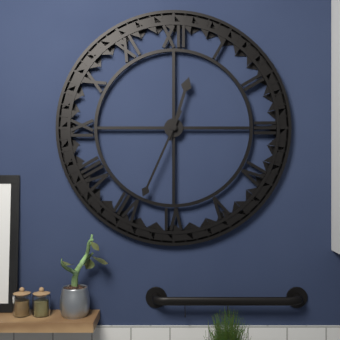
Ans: 12:34
